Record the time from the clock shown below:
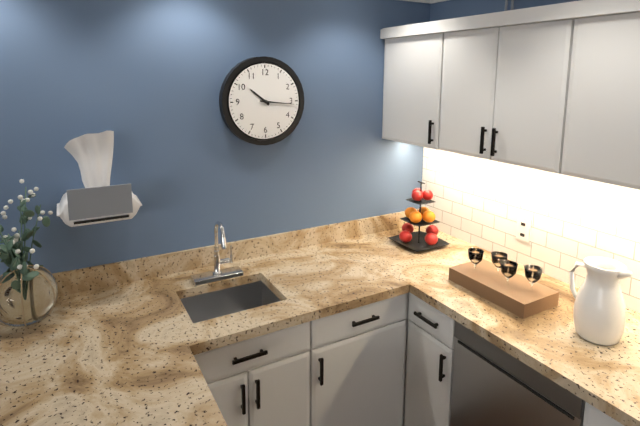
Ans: 10:16
